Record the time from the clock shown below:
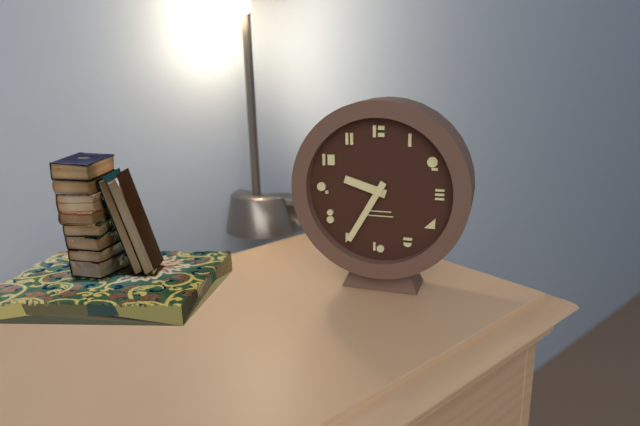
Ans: 9:35
